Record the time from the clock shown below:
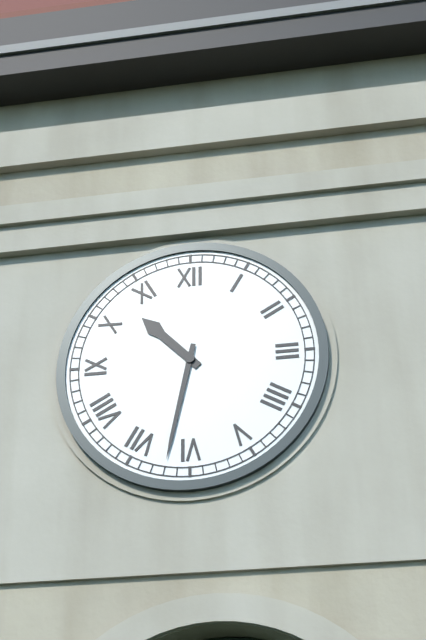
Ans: 10:32
